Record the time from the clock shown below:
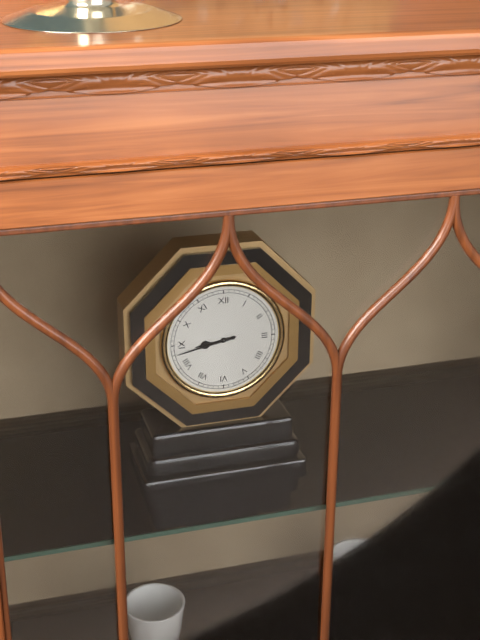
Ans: 8:43
